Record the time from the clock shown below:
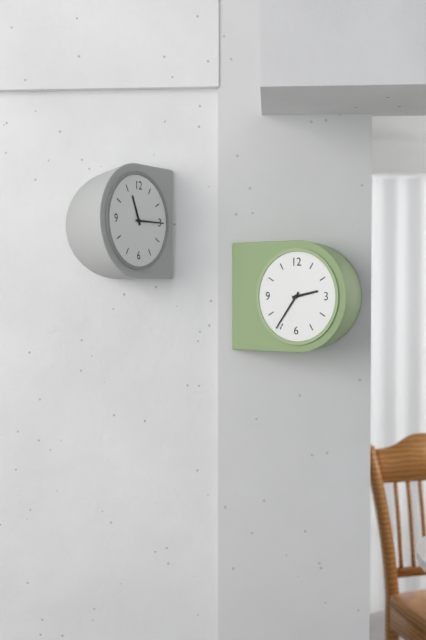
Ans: 2:36
